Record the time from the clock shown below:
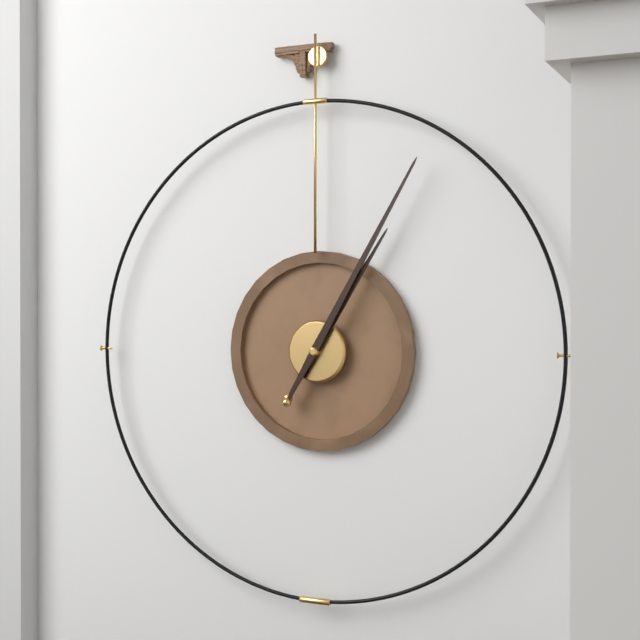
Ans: 1:05
